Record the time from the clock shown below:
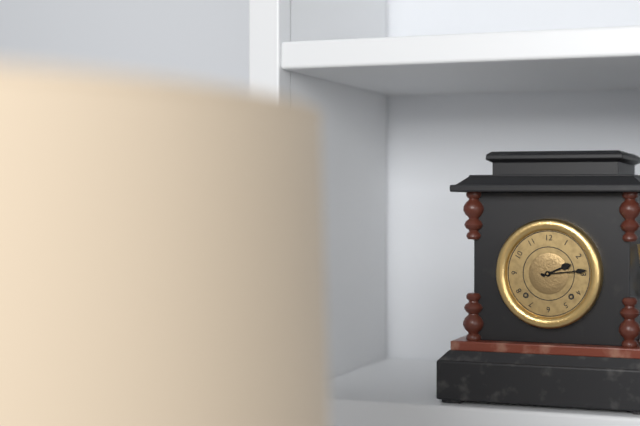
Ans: 2:14
